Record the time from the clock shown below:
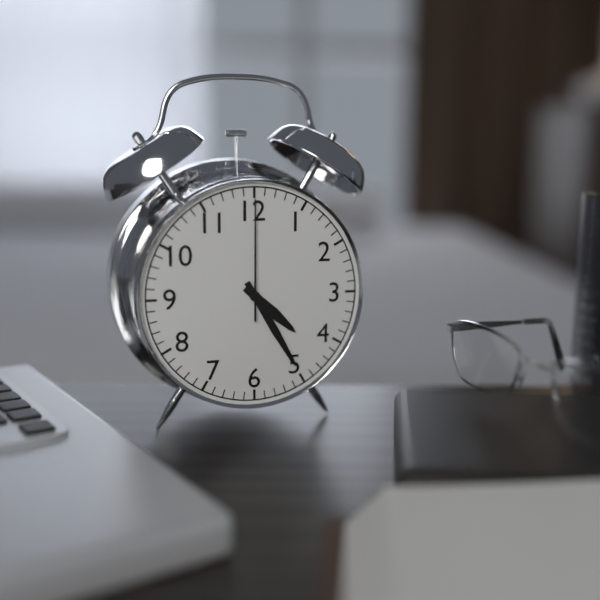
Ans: 4:25:00
